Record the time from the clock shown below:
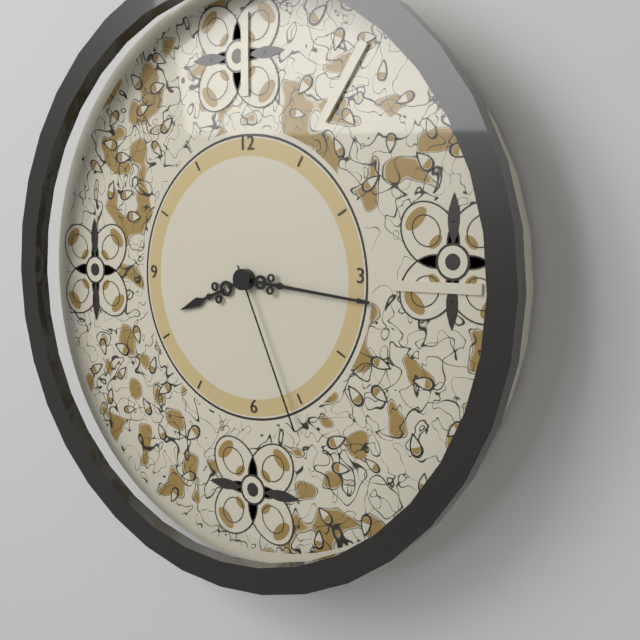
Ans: 8:16:26
